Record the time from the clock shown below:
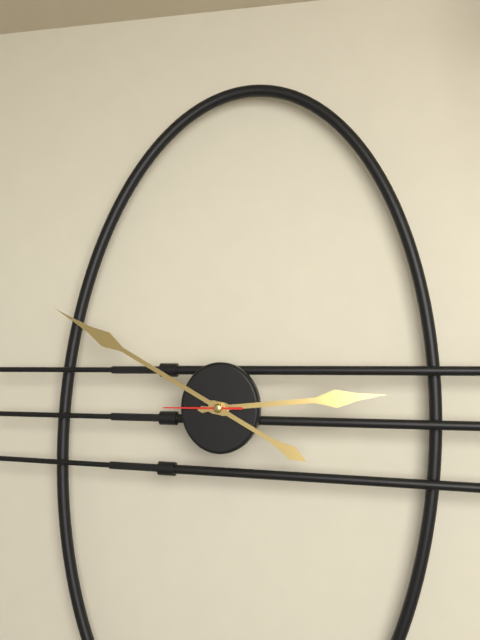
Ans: 2:50:45
